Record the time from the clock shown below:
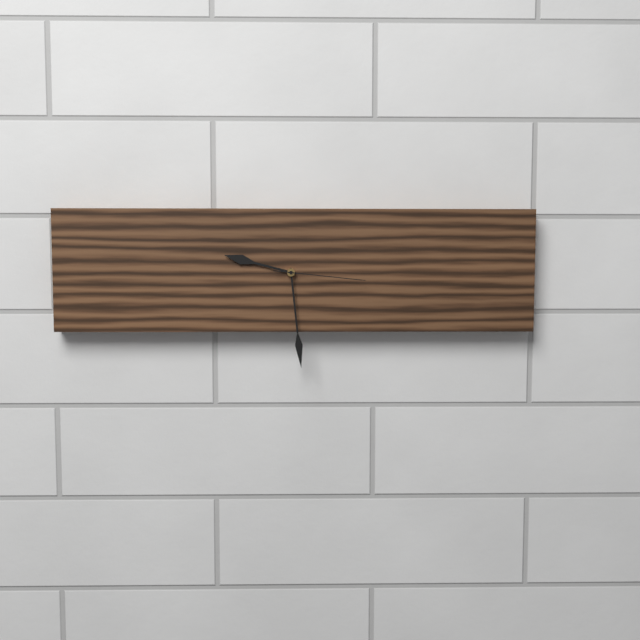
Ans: 9:29:16
